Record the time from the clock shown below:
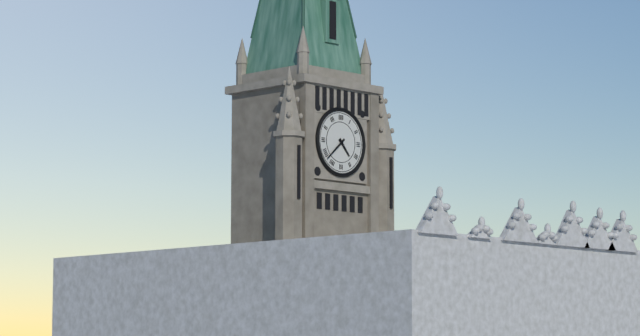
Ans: 4:38
